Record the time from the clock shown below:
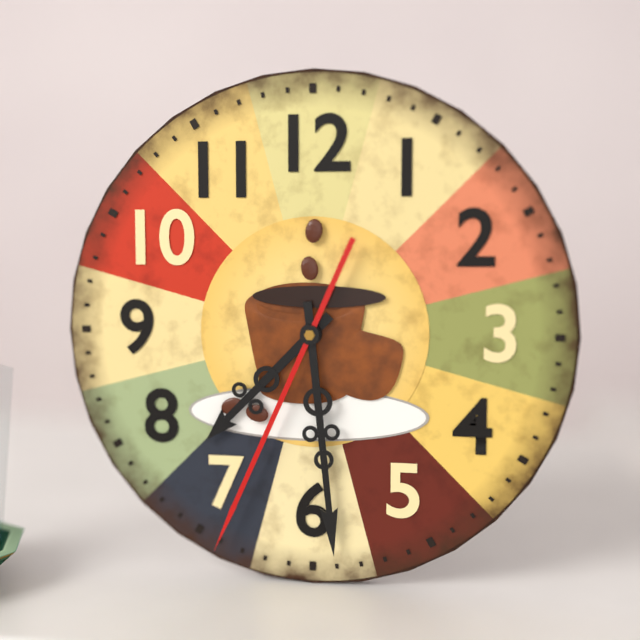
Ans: 7:29:34
